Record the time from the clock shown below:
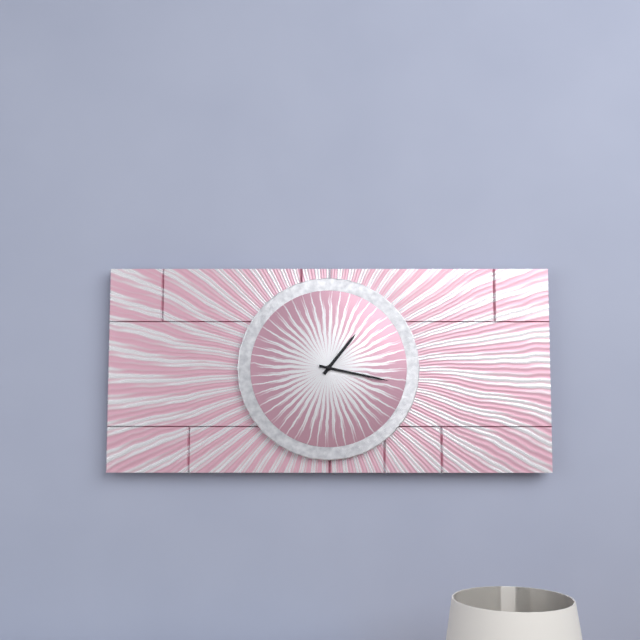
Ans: 1:17
